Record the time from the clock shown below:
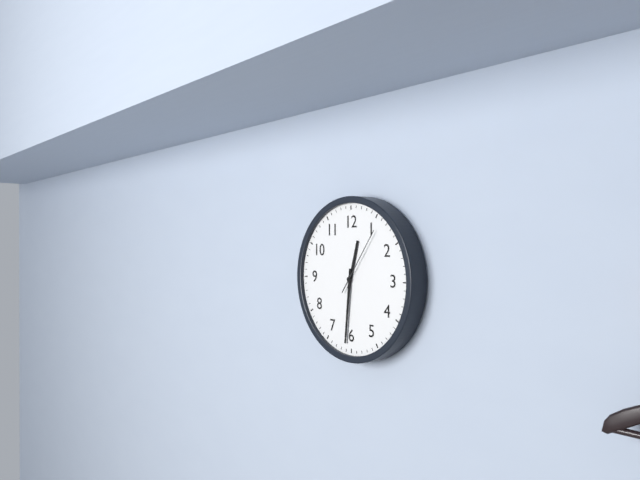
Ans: 12:31:06
